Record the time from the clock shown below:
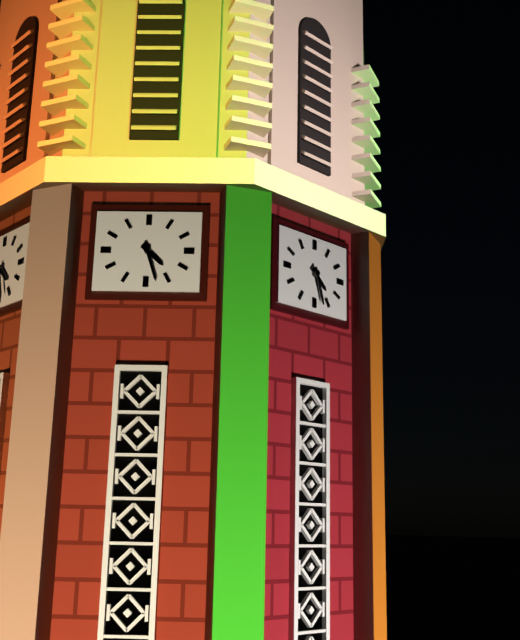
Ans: 4:27
